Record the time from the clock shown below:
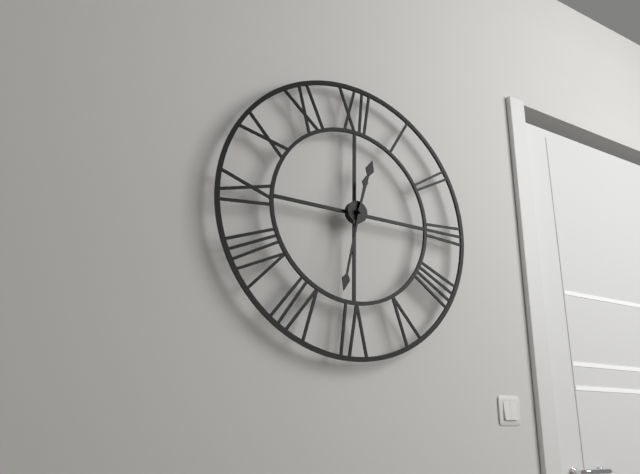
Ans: 12:32
